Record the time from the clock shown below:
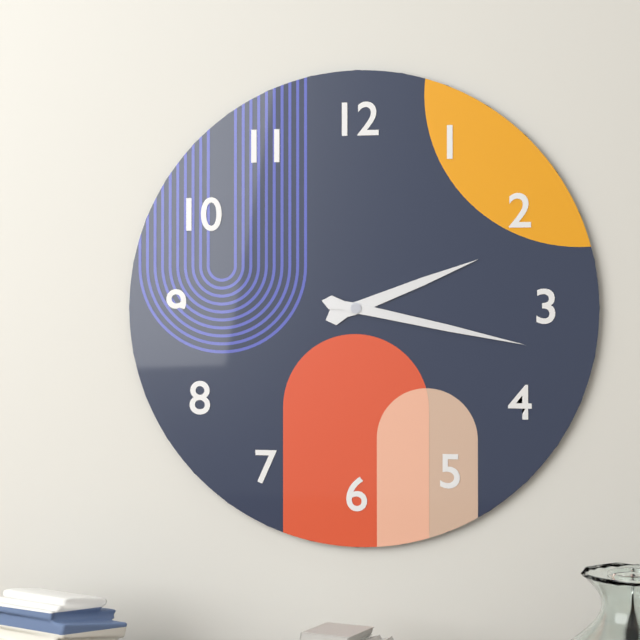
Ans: 2:17
